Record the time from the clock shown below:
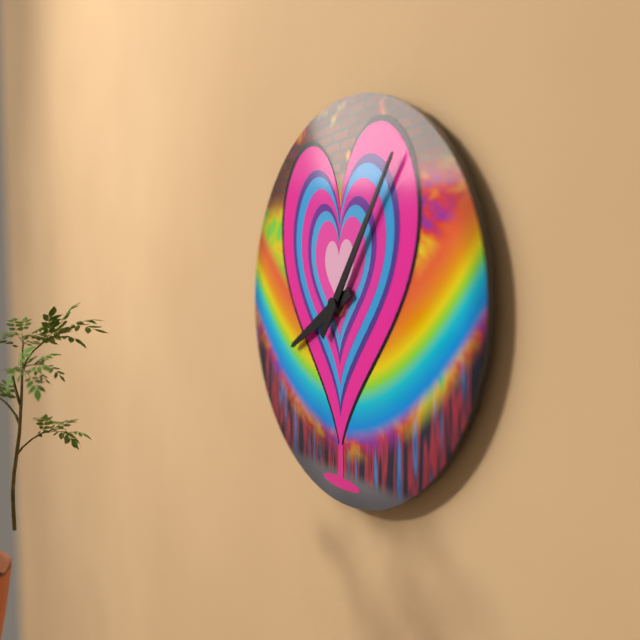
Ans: 8:06
